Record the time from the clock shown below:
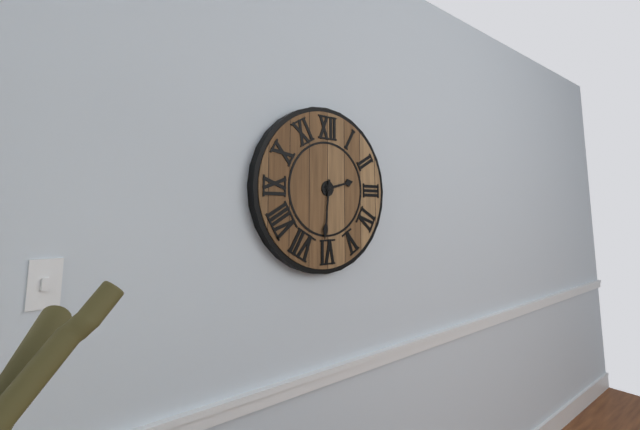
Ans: 2:31
